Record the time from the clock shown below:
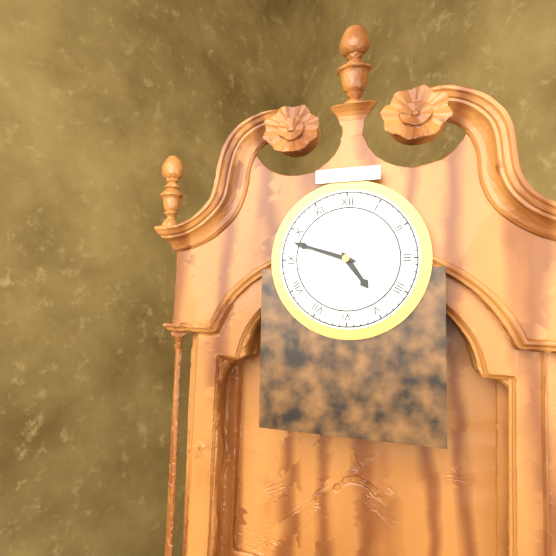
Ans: 4:48
